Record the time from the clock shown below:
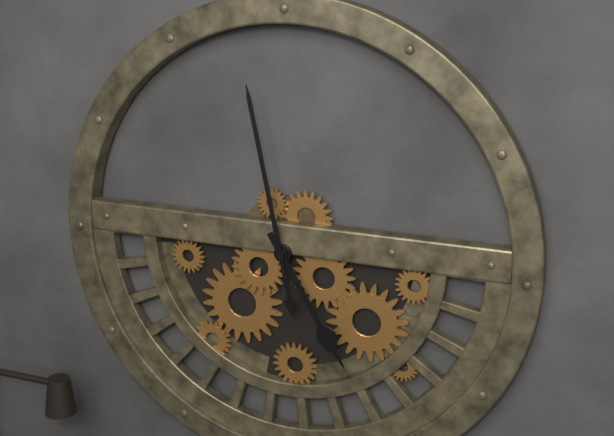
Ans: 4:58
